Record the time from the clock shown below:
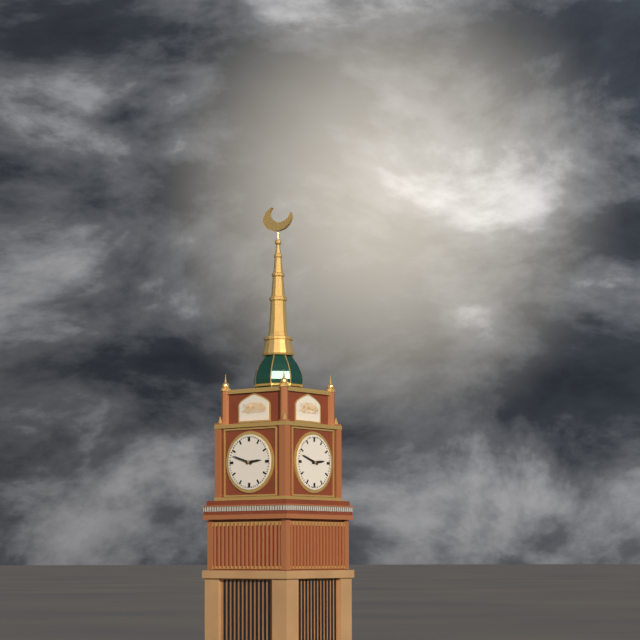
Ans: 2:48
